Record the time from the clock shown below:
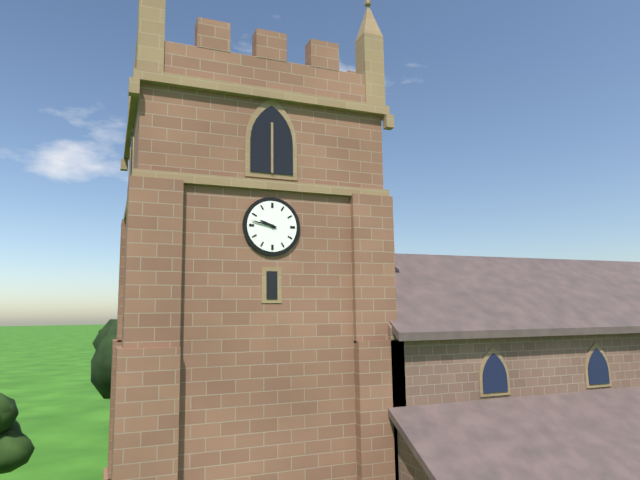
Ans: 9:47
